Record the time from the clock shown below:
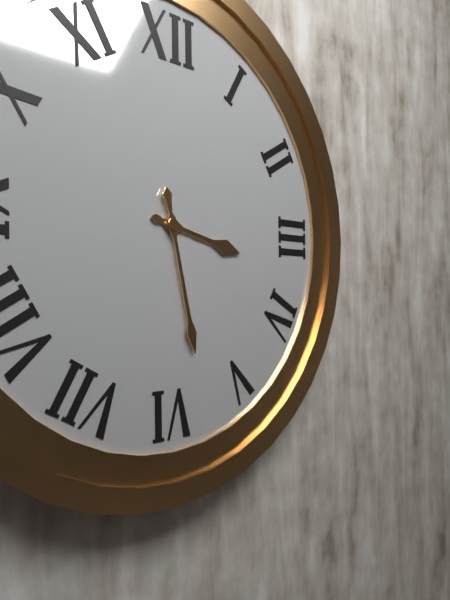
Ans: 3:28
